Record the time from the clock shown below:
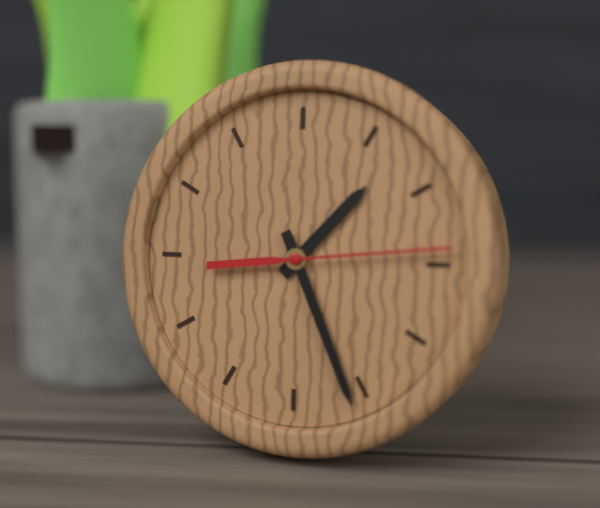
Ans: 1:26:14
